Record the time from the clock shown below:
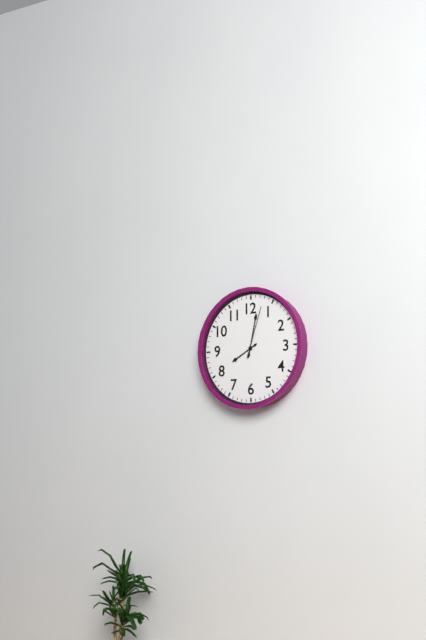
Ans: 8:02:03
